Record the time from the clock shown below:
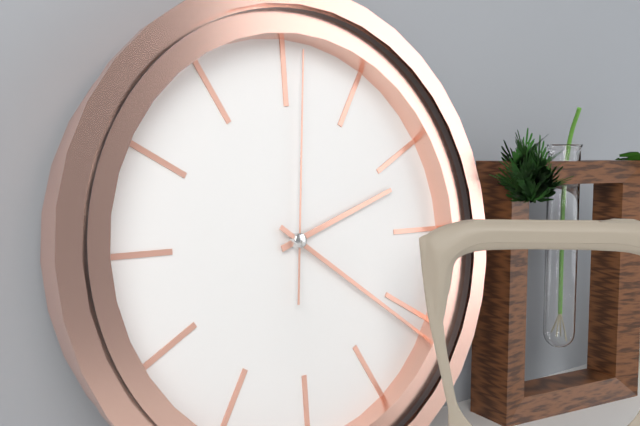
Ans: 2:21:01
